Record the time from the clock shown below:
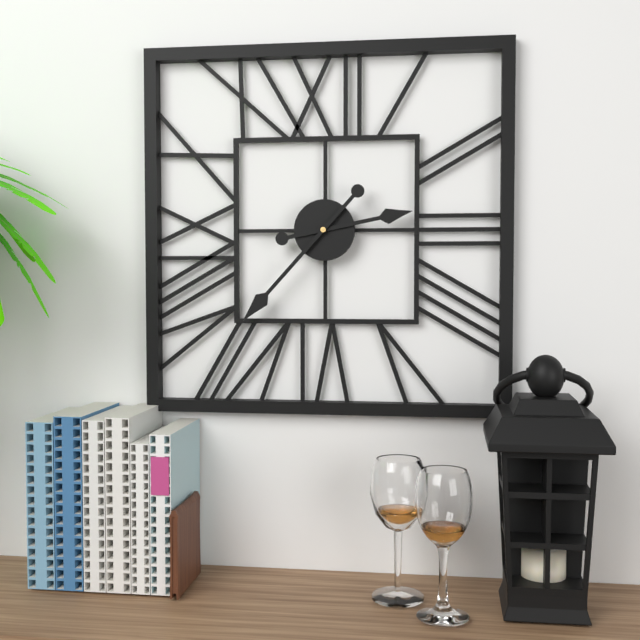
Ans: 2:37
